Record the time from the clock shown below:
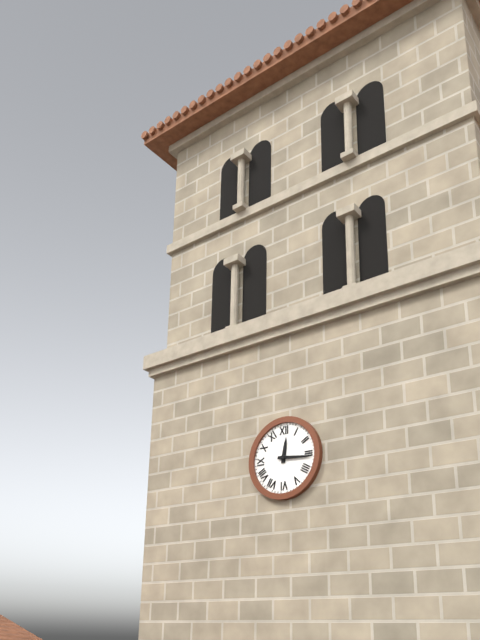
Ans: 12:16
